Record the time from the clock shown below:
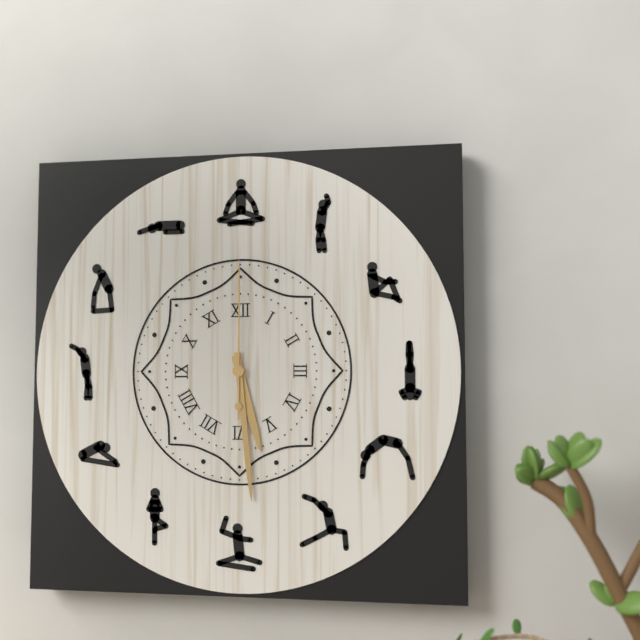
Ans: 5:29:00
